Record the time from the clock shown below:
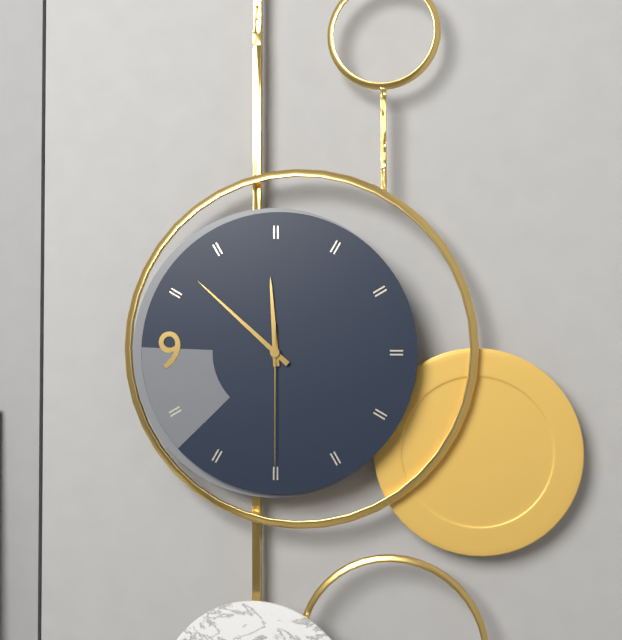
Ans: 11:52:30
